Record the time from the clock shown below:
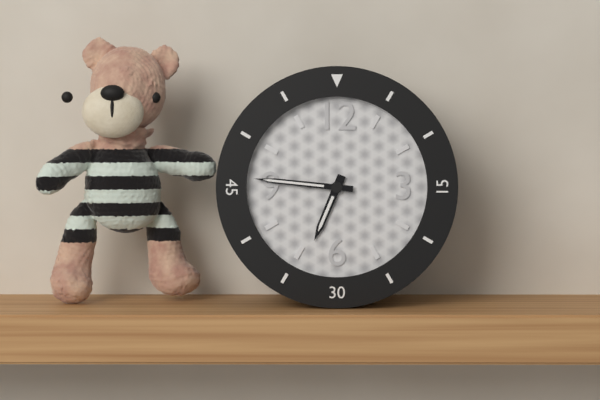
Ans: 6:46
